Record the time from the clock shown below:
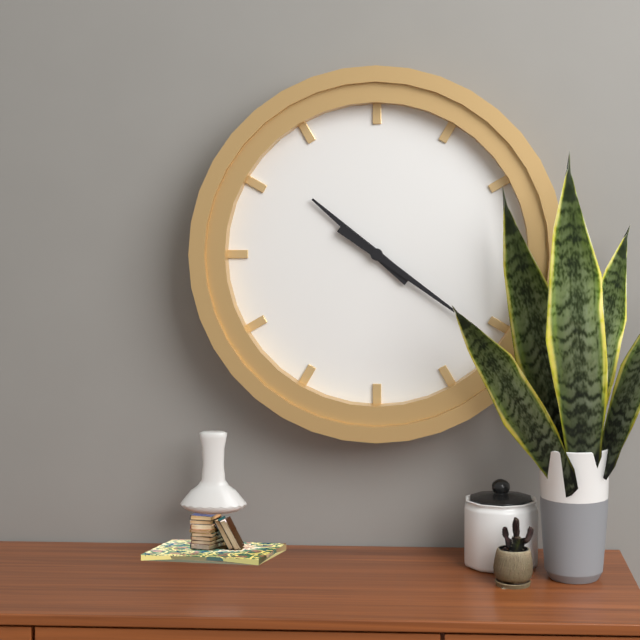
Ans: 10:21
